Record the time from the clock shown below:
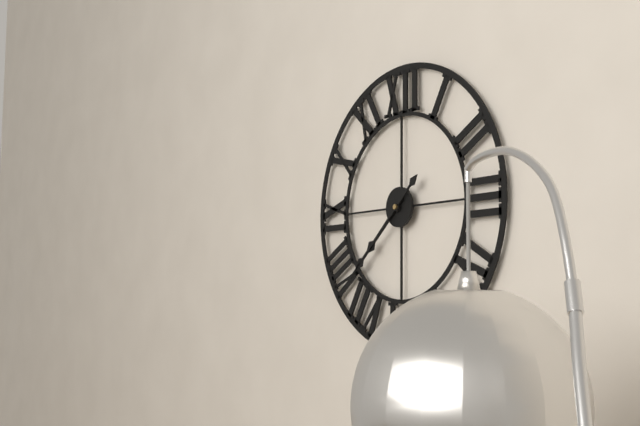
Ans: 7:38
